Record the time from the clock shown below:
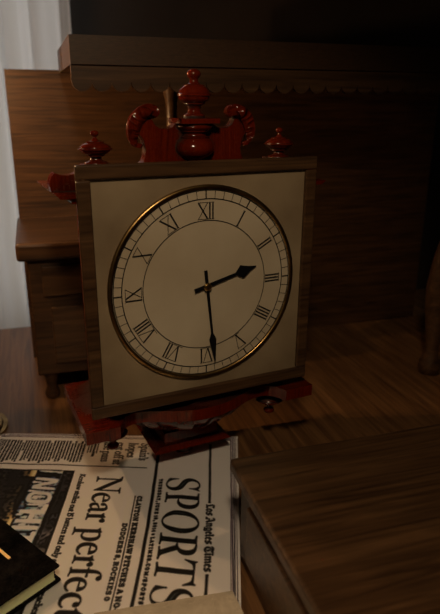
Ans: 2:29
